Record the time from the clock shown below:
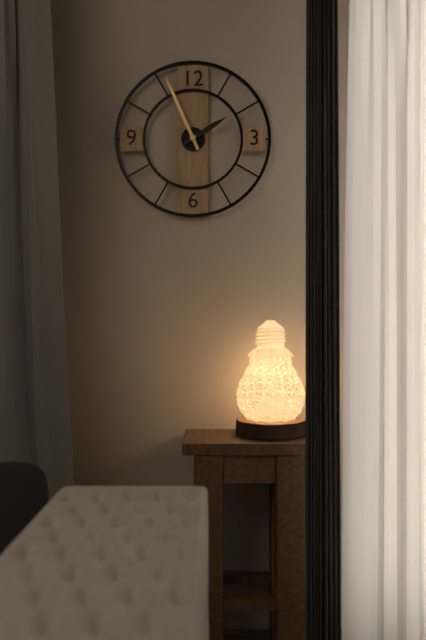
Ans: 1:56
